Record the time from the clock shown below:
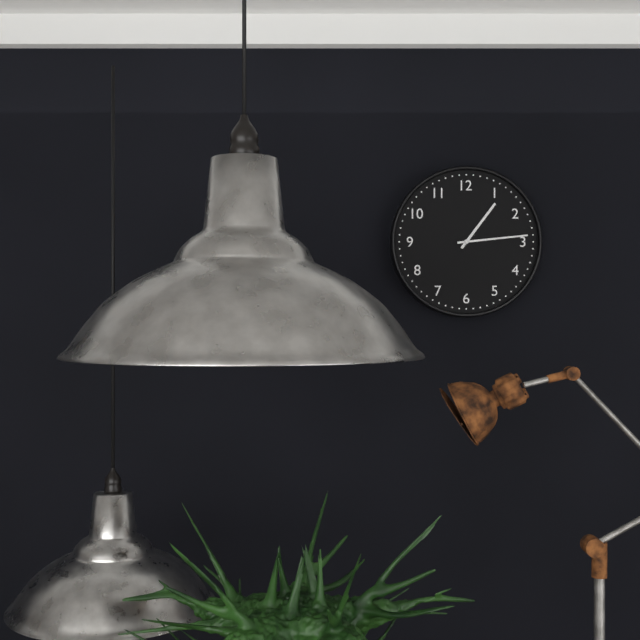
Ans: 1:14
